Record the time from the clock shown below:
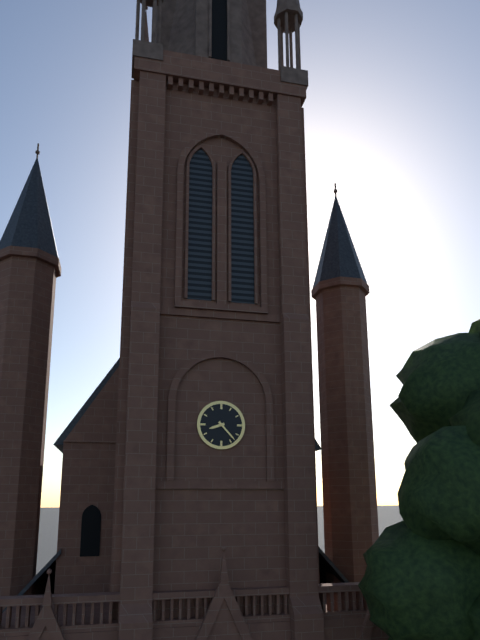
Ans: 8:23
